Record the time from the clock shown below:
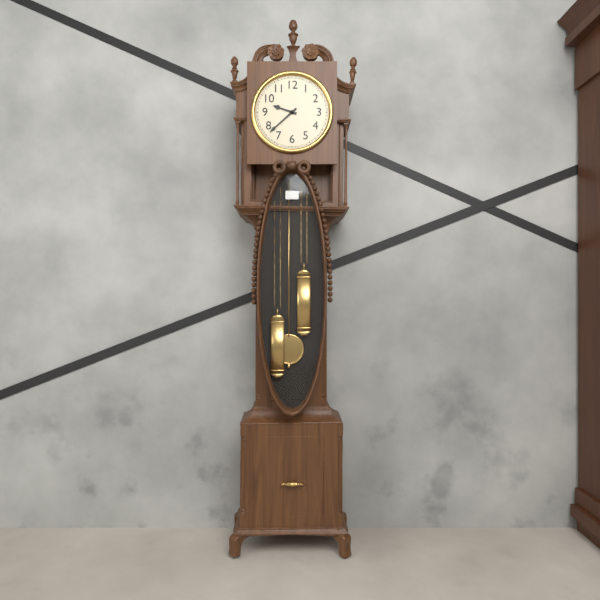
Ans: 9:38
